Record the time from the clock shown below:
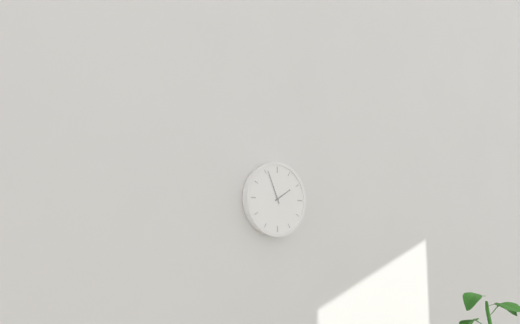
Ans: 1:56
